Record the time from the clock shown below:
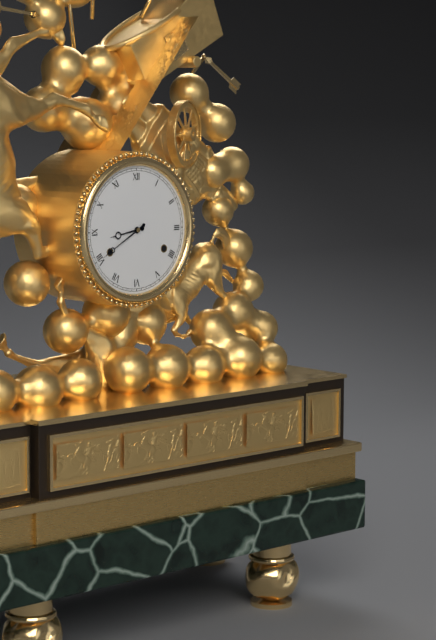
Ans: 8:40
